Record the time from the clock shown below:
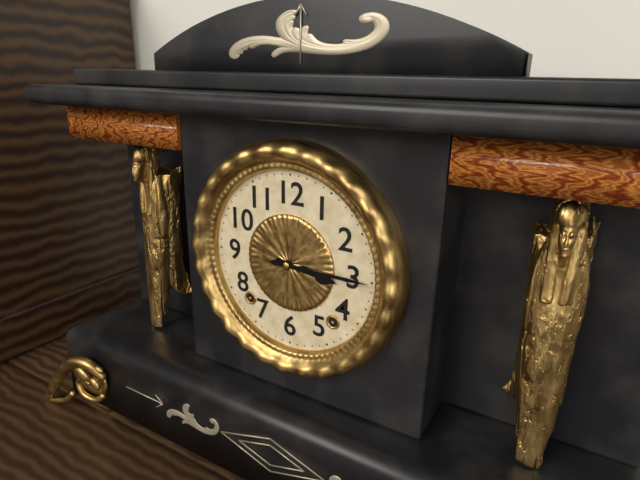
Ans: 3:15
